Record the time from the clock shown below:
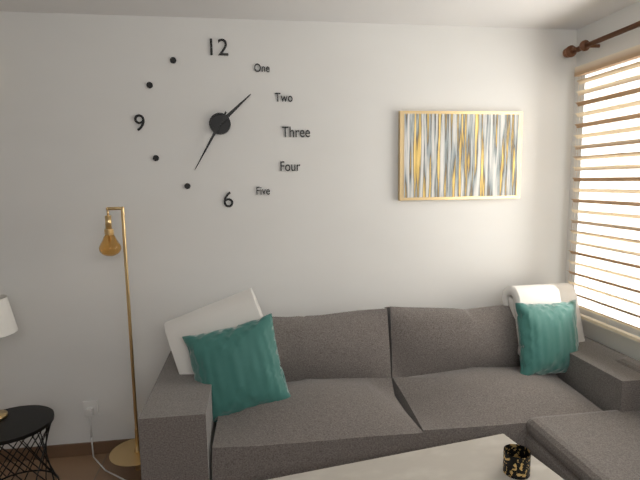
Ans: 1:35
